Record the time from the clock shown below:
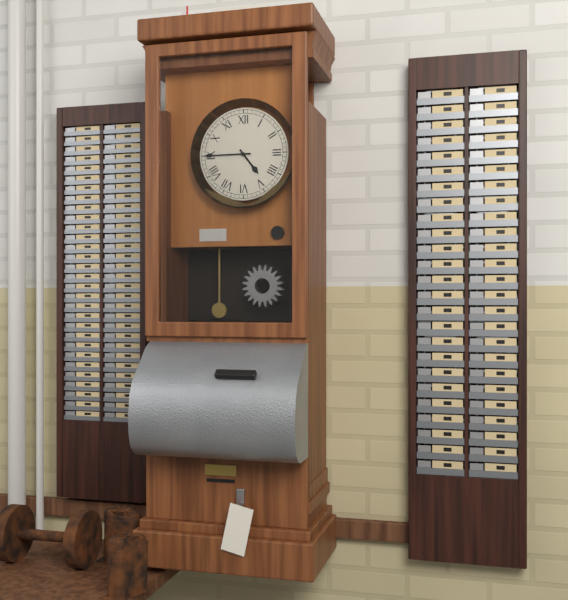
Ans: 4:45
